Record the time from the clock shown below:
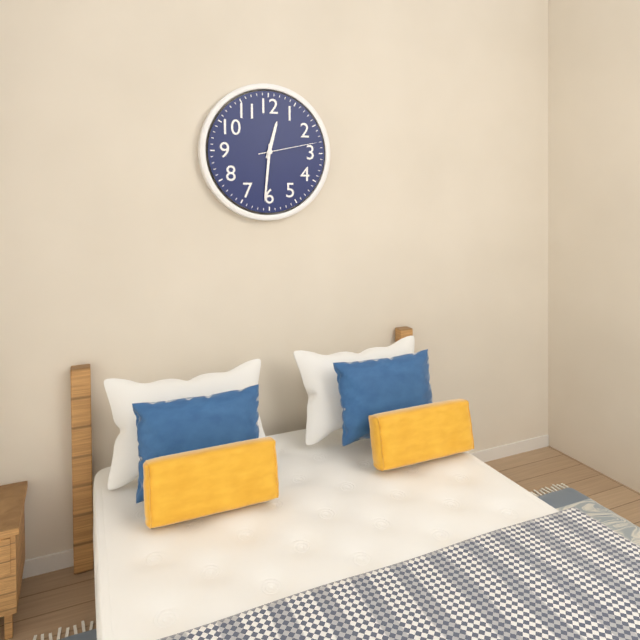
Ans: 12:31:13
